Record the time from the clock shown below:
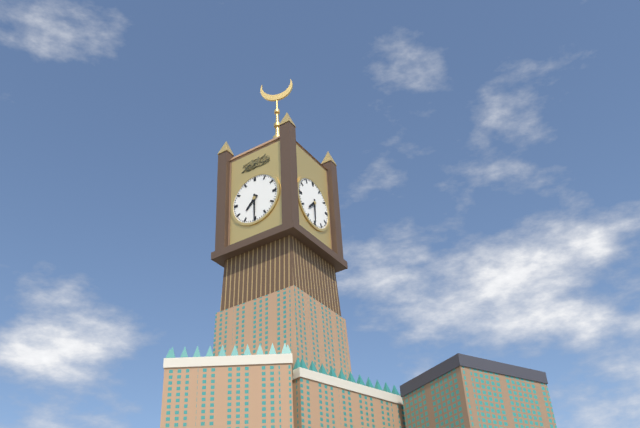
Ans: 7:30
